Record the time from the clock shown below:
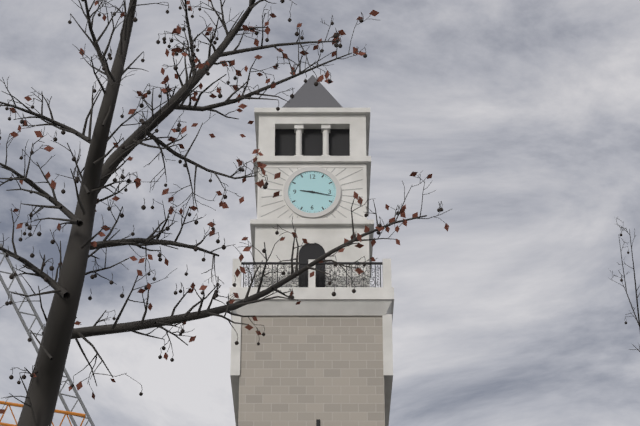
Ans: 9:17
